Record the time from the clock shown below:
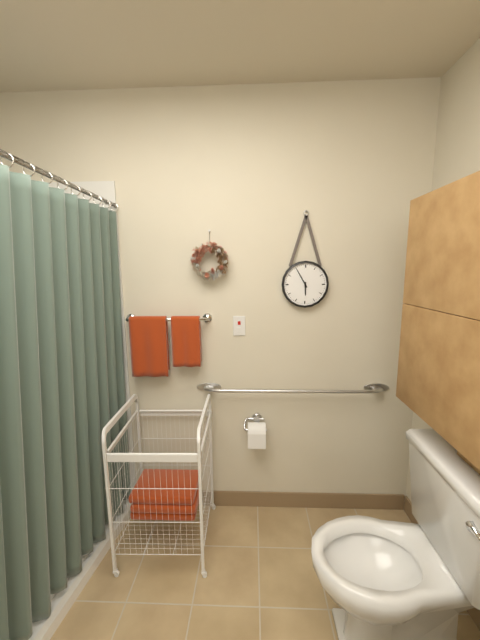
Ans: 5:55
